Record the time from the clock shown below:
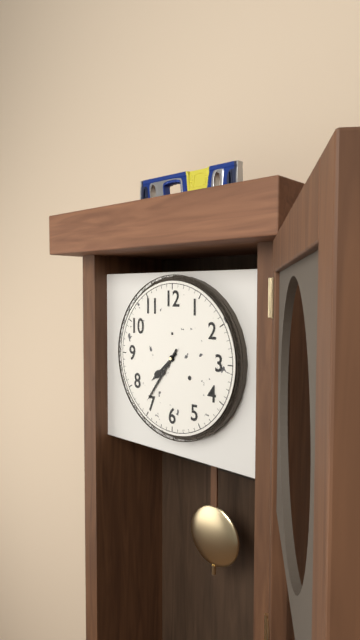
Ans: 7:36
